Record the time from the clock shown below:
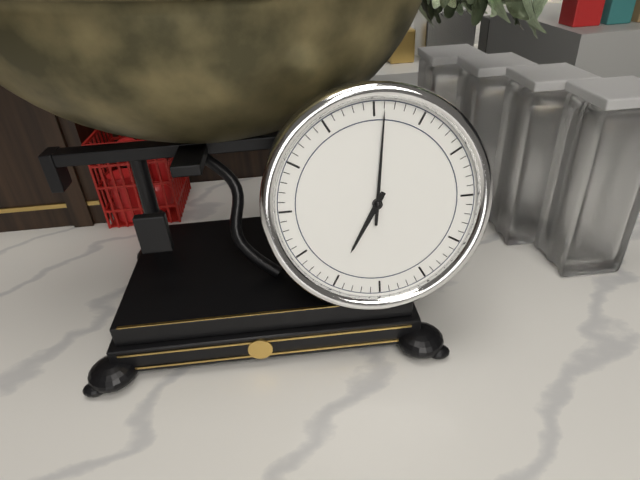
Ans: 7:01
